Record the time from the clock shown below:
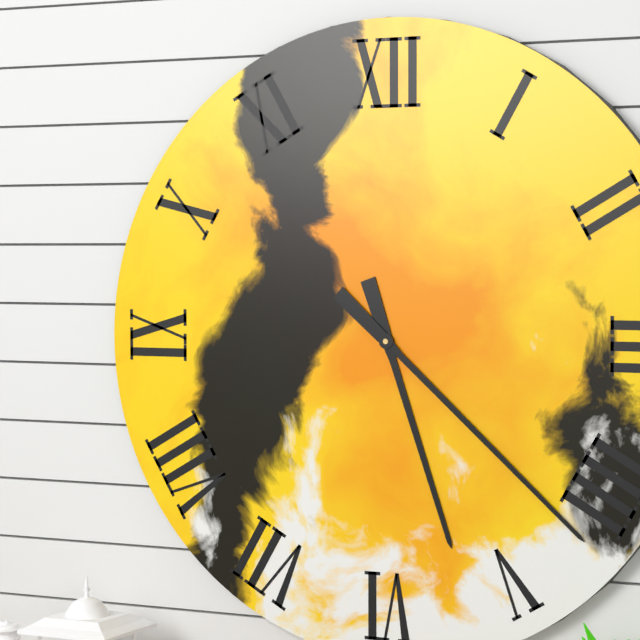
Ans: 5:22
